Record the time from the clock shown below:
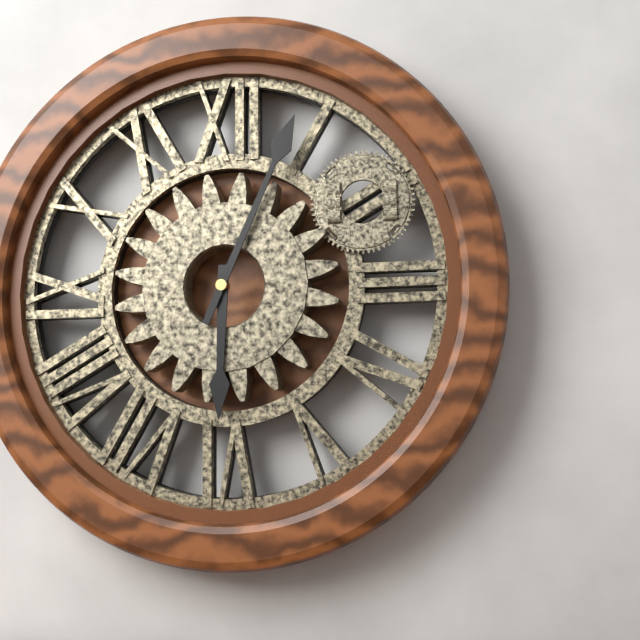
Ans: 6:04
